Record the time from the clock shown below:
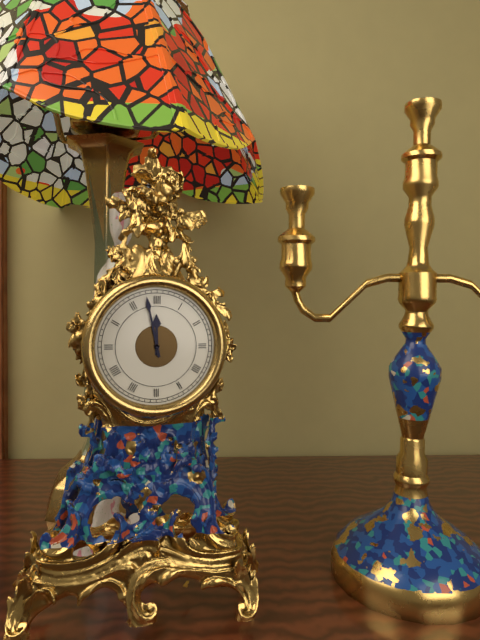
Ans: 11:58
